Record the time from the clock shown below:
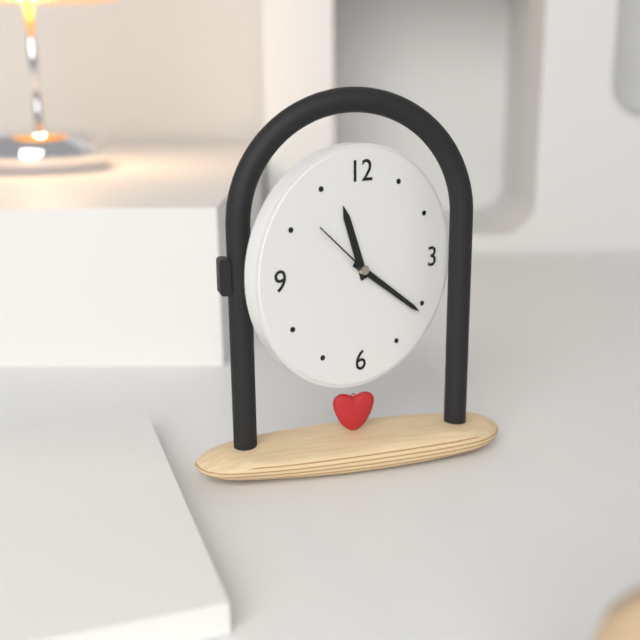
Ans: 11:21:52
